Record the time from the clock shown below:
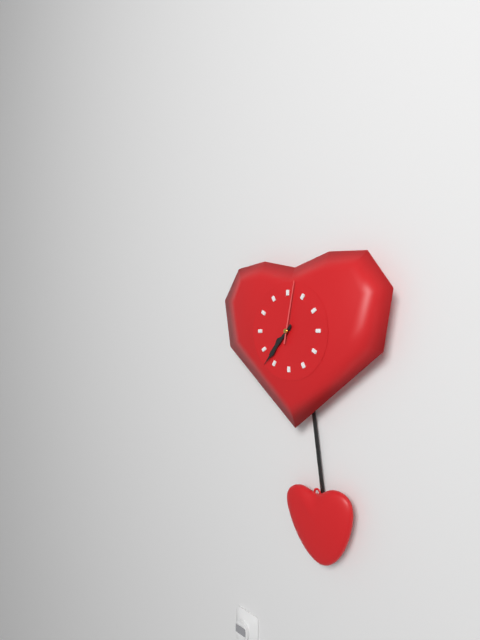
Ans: 7:37:02
